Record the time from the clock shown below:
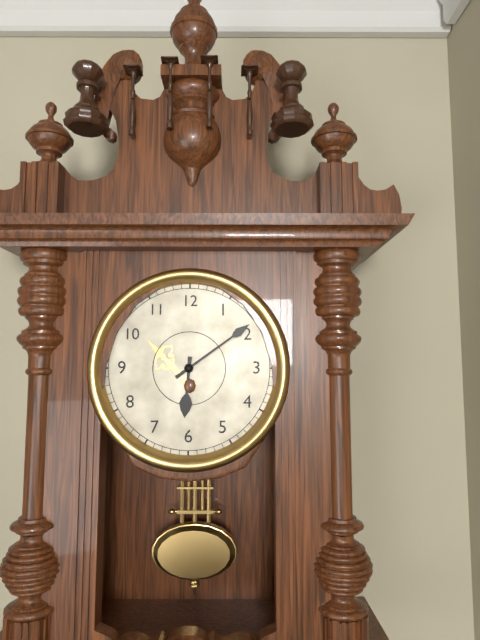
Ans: 6:09
